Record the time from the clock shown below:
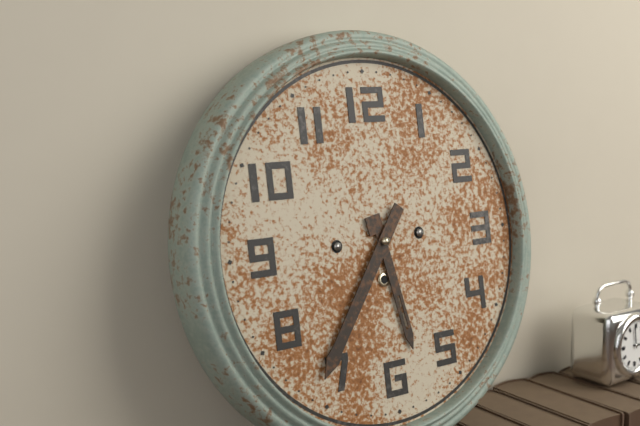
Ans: 5:36
